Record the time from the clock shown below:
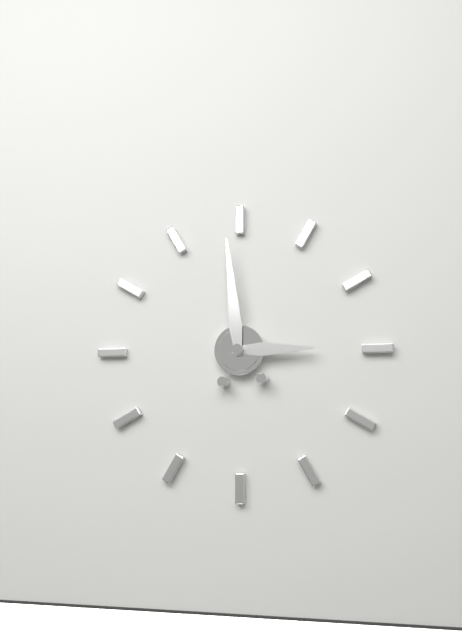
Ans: 2:59
